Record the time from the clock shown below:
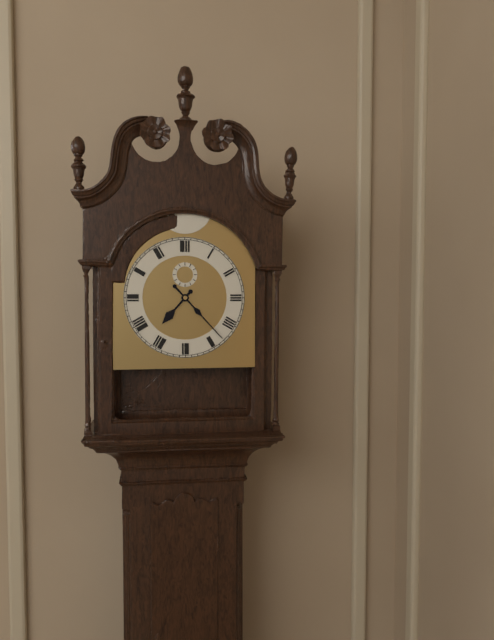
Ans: 7:23
